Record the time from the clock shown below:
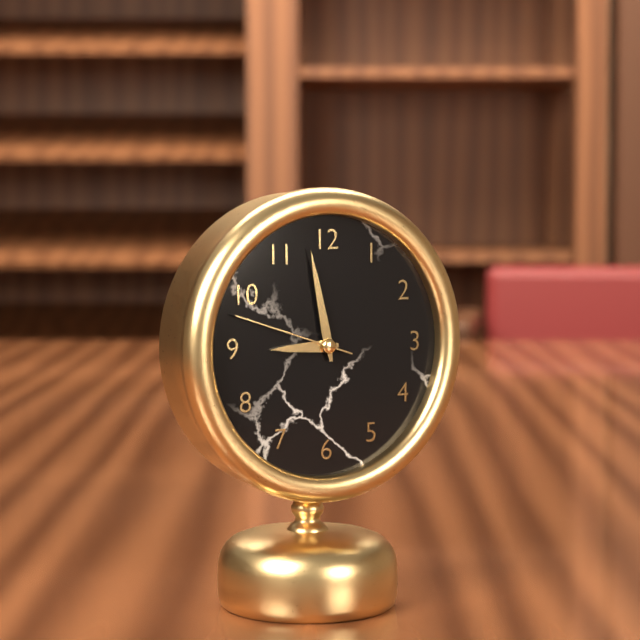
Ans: 8:58:48
